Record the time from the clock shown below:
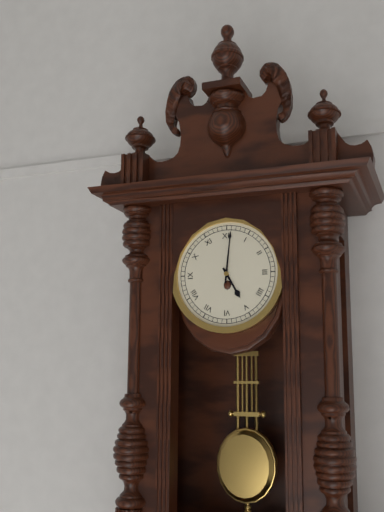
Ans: 5:01
